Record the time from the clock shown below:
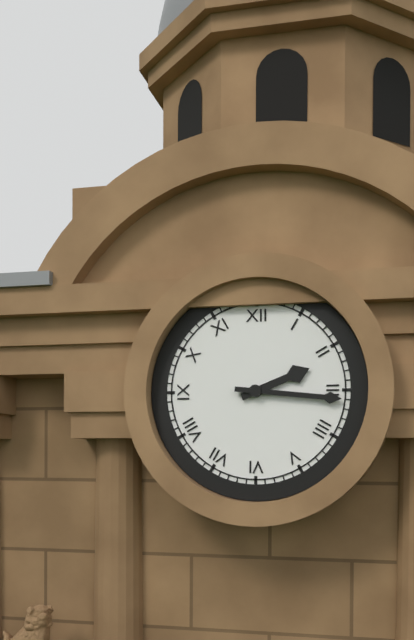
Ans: 2:16
